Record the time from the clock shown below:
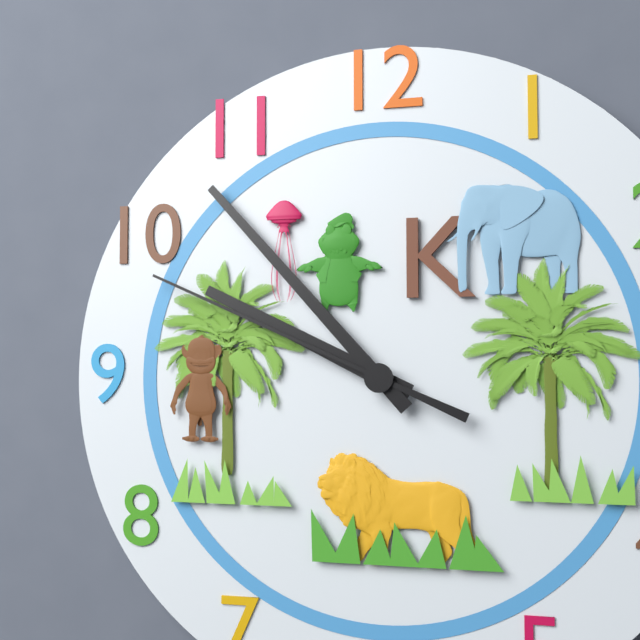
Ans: 9:53:49
